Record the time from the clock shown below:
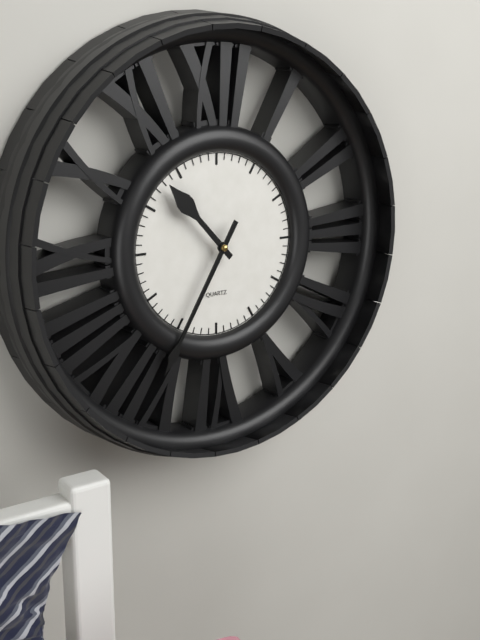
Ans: 10:35
